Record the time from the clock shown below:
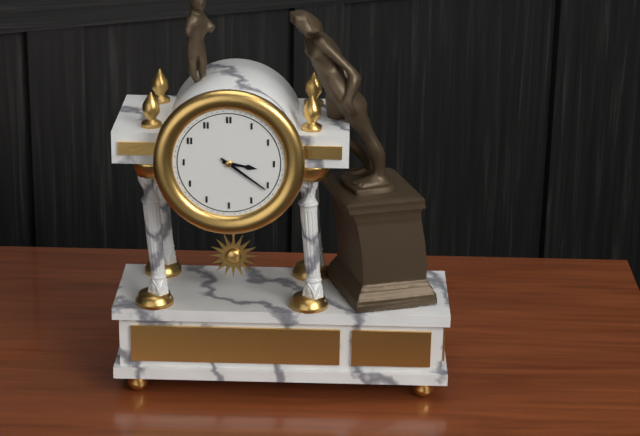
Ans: 3:21
